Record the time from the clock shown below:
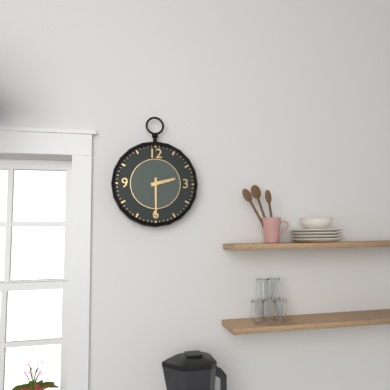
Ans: 2:30
